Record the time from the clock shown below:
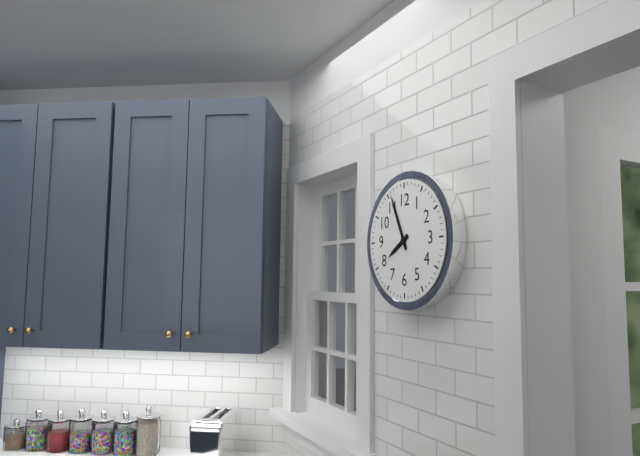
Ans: 7:56
